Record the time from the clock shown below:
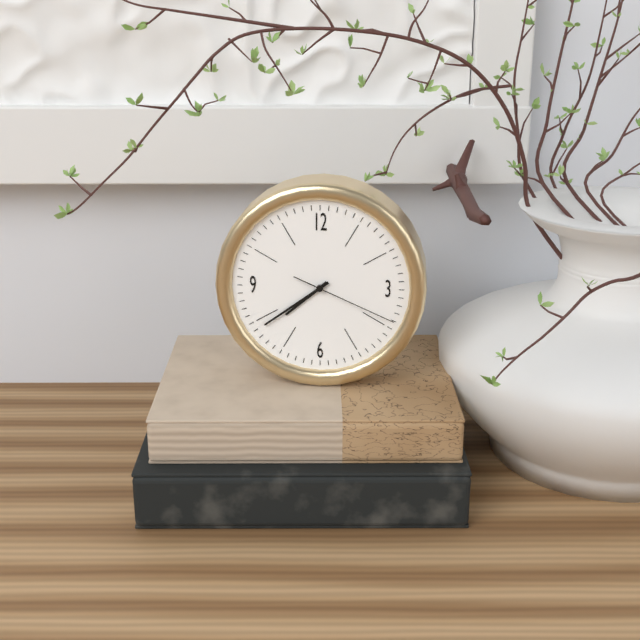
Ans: 7:39:19
